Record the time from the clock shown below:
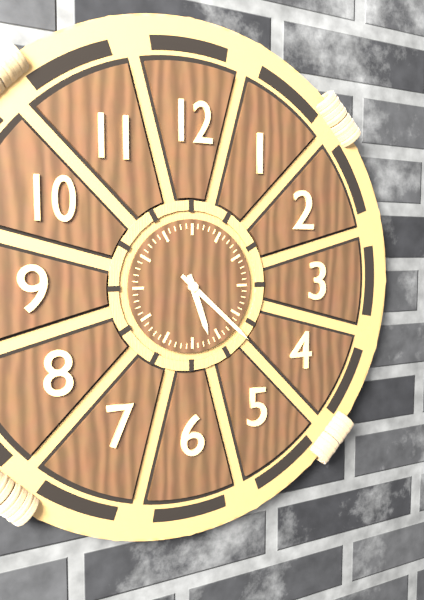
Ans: 5:22
